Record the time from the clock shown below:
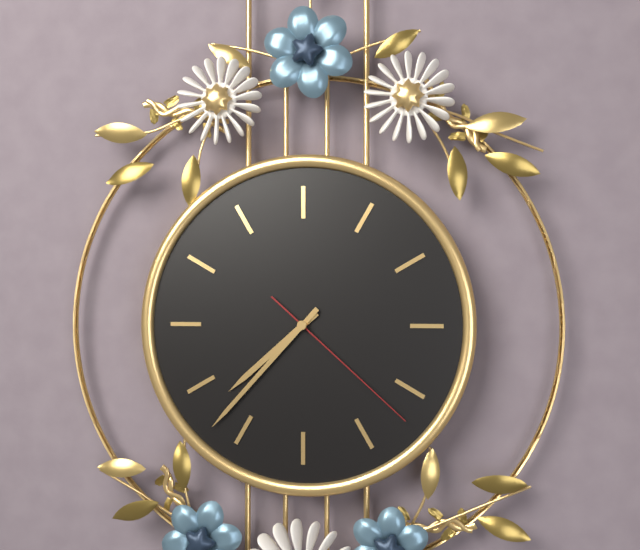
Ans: 7:37:22
